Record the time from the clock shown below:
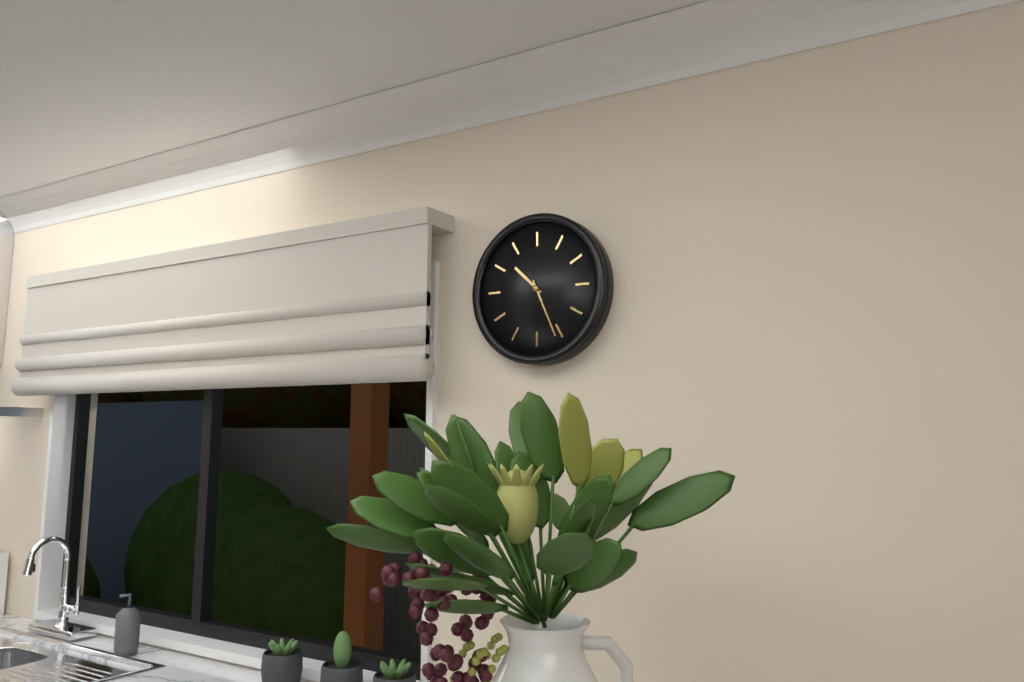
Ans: 10:26
